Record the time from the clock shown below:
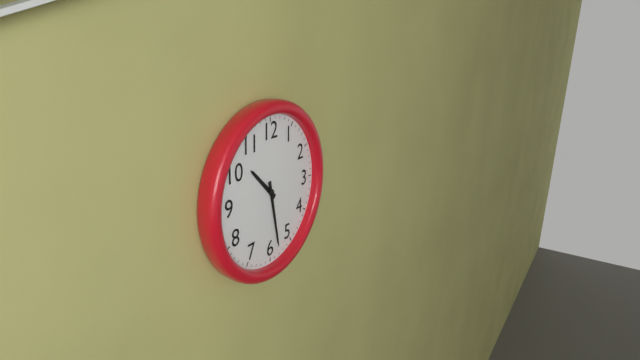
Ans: 10:28
